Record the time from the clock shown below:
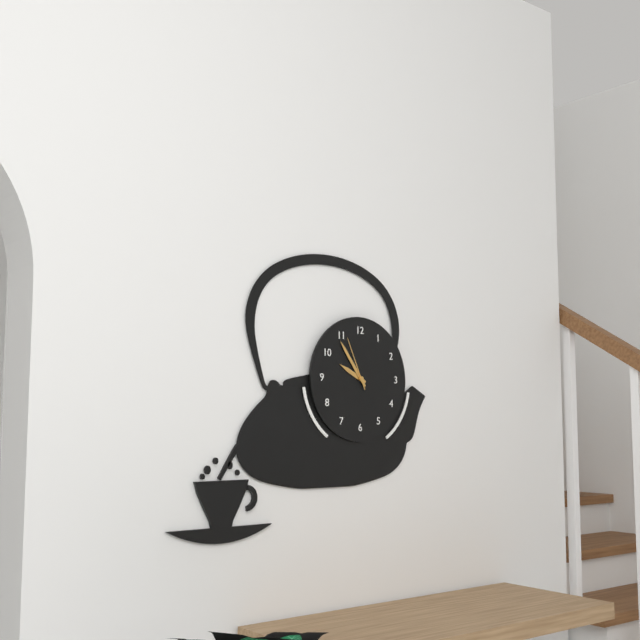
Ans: 9:54:56
